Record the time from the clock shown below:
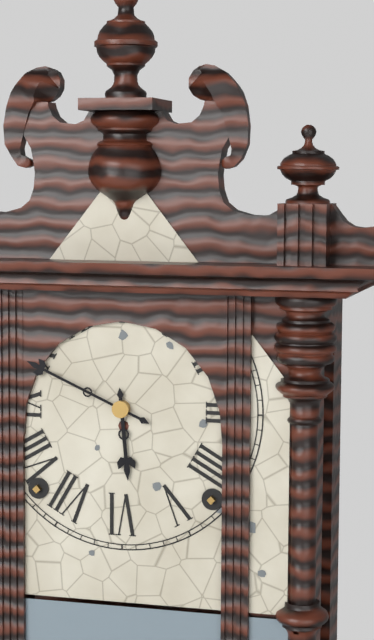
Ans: 5:49
